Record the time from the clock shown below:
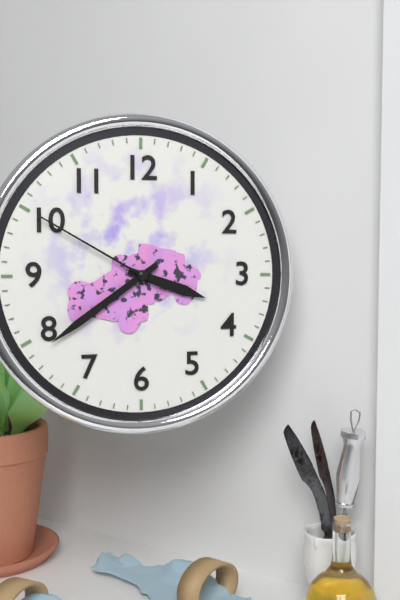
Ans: 3:39:50
